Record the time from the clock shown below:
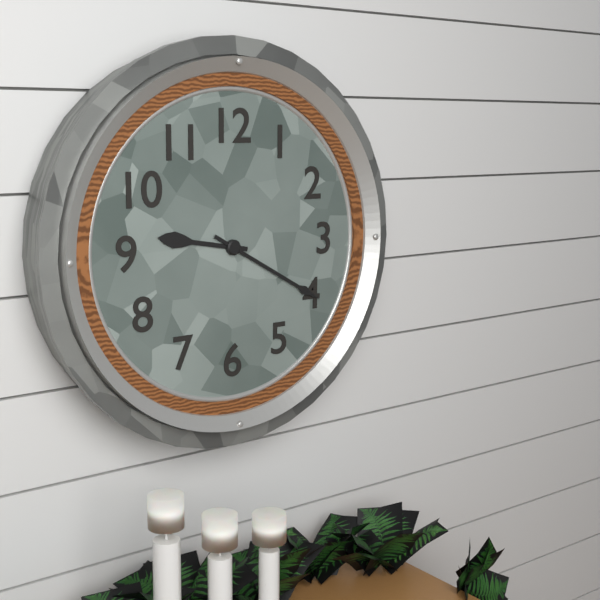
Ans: 9:20
